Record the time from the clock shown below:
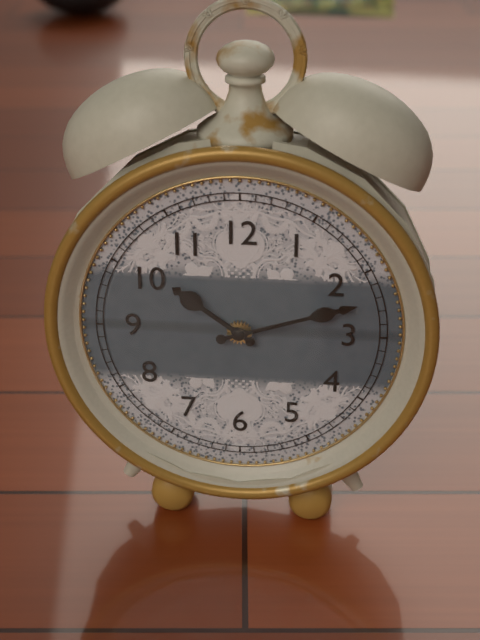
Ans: 10:12
